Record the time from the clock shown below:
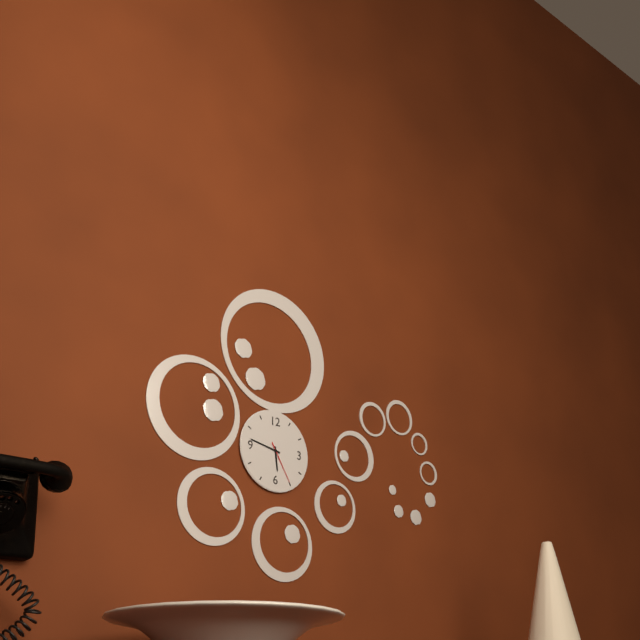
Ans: 5:47
